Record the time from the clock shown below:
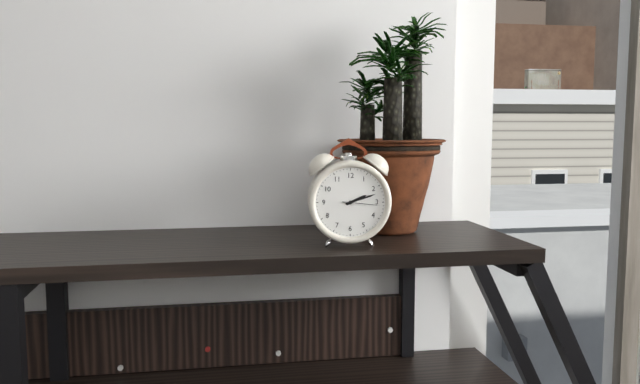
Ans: 2:12
